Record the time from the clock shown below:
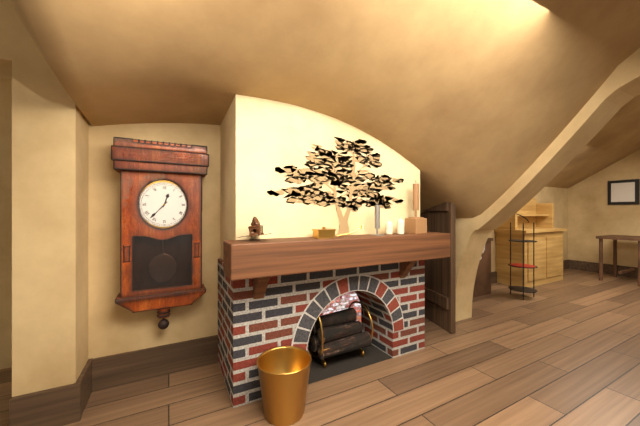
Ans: 12:37
